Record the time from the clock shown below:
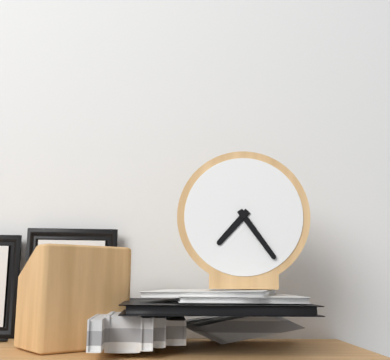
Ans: 7:24
